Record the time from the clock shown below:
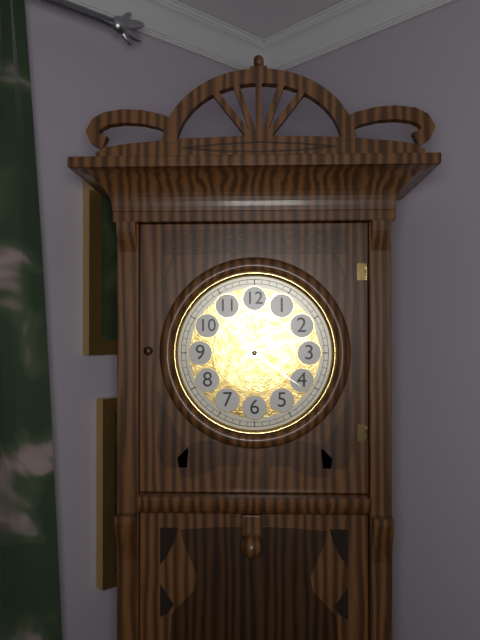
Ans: 2:21
